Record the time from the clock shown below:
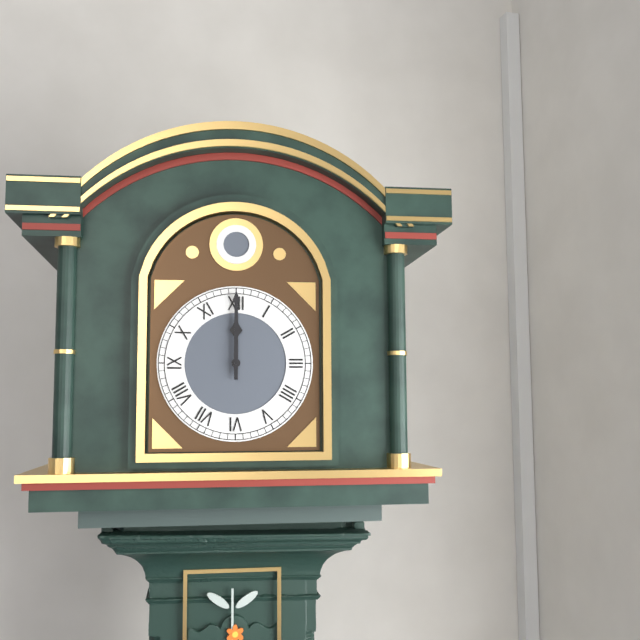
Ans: 12:00
